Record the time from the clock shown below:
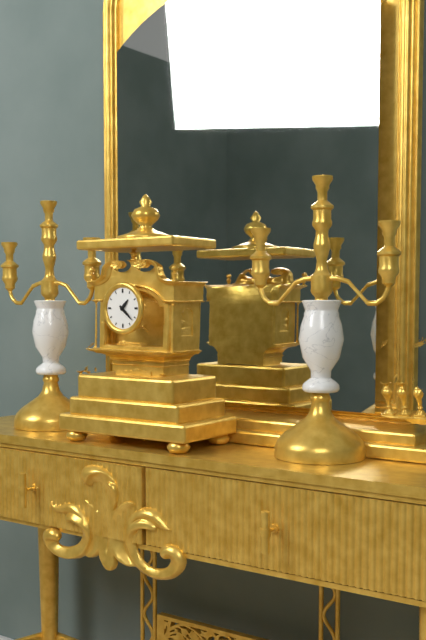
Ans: 1:22
